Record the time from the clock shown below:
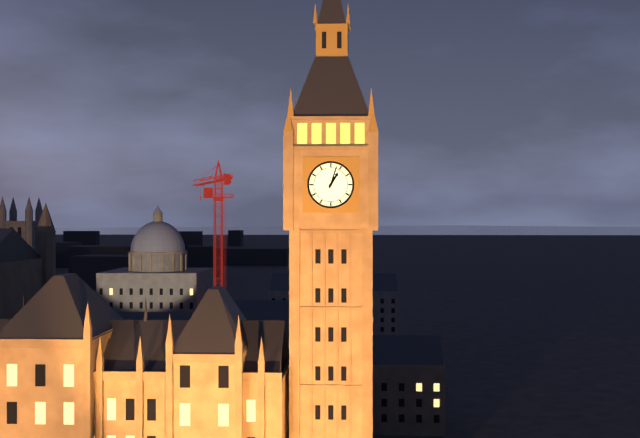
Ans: 1:03
